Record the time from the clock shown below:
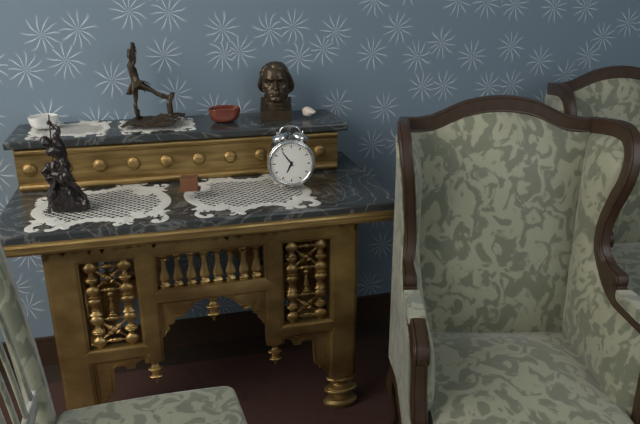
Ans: 6:54
